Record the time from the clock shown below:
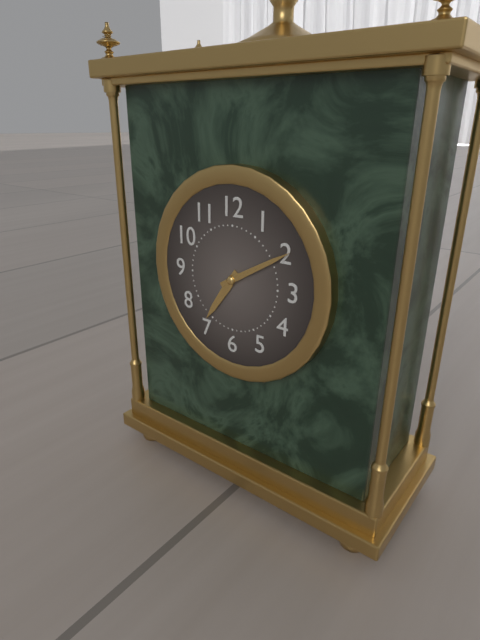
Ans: 7:10
